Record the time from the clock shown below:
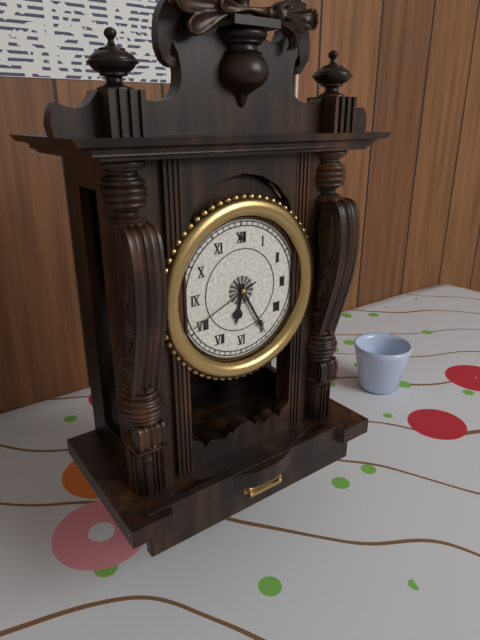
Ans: 6:25:41
